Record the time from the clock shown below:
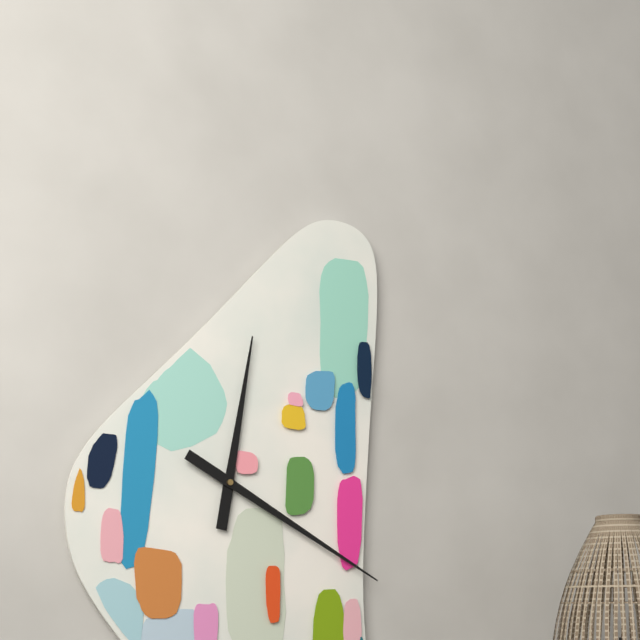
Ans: 12:20
